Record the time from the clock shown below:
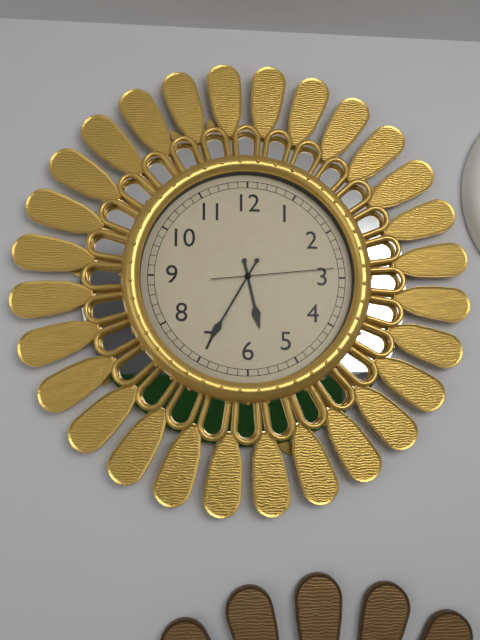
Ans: 5:35:14
